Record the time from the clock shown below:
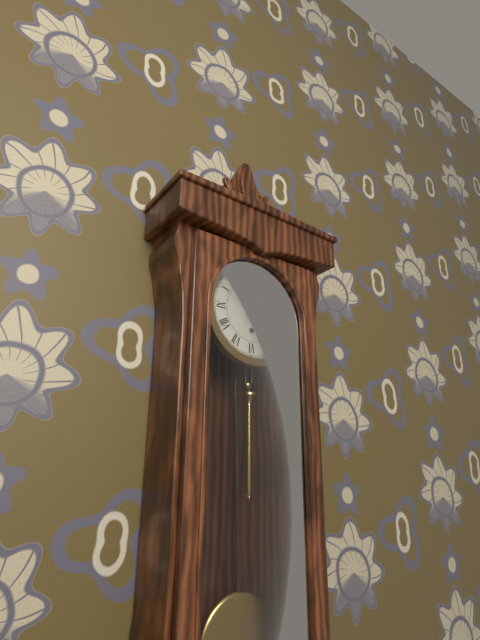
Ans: 4:09
